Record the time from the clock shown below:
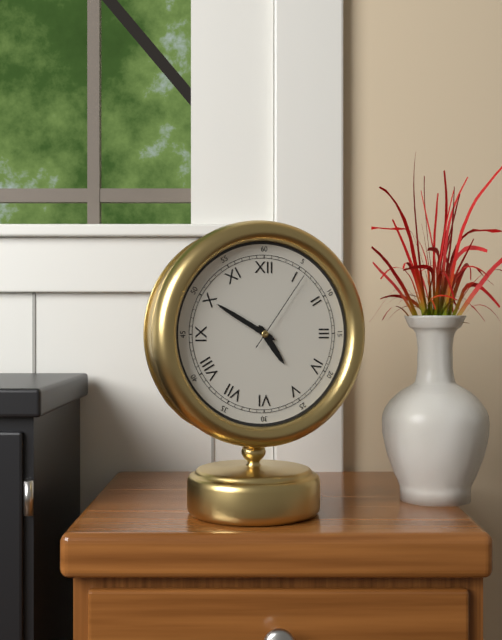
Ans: 4:50:06
